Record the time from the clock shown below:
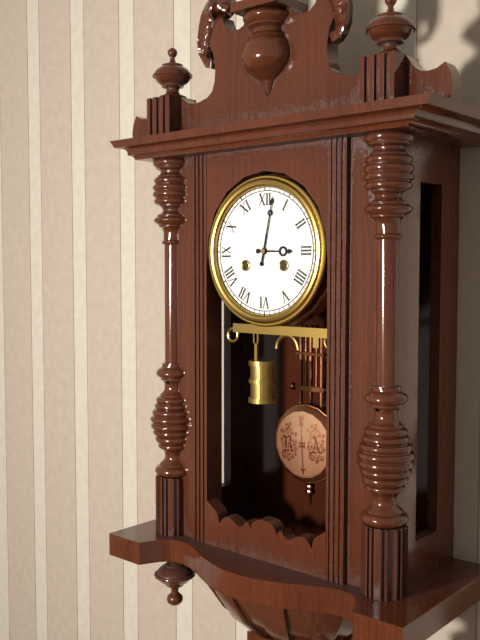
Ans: 3:02
